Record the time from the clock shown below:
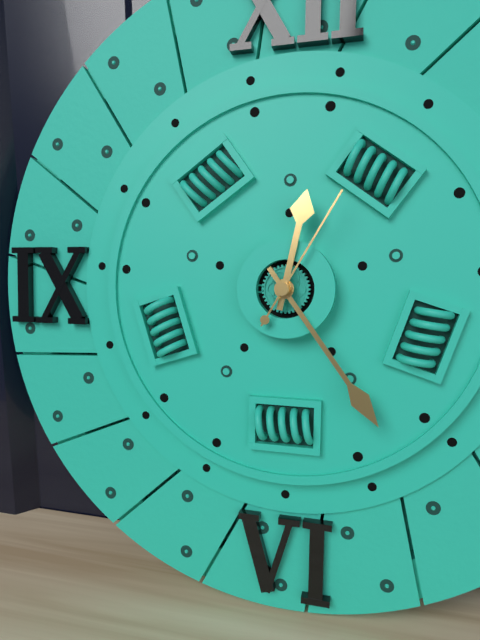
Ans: 12:24:05
